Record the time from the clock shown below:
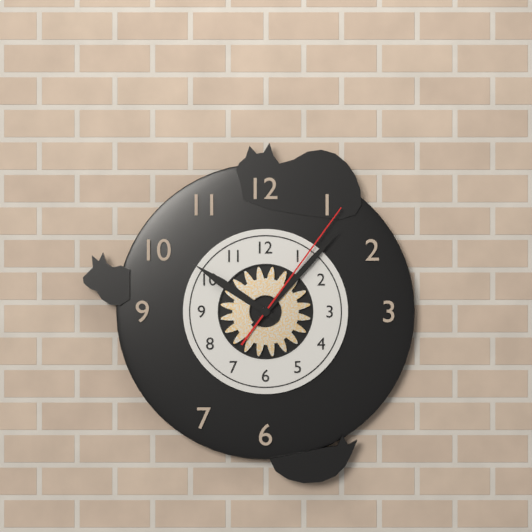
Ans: 10:07:06
